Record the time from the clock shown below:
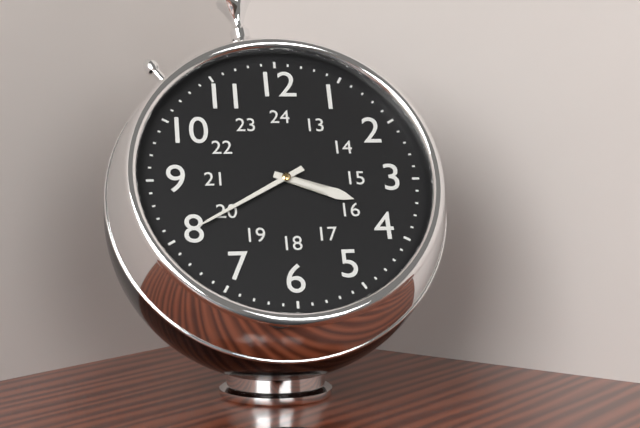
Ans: 3:40
